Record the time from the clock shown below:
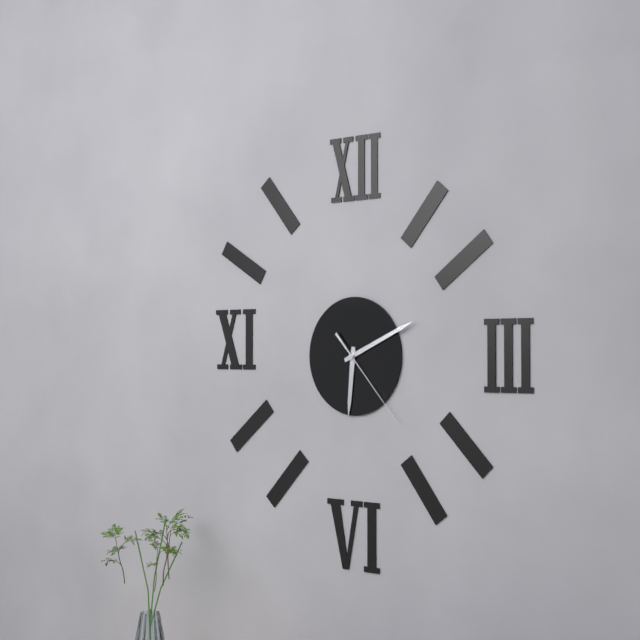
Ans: 6:11:23
